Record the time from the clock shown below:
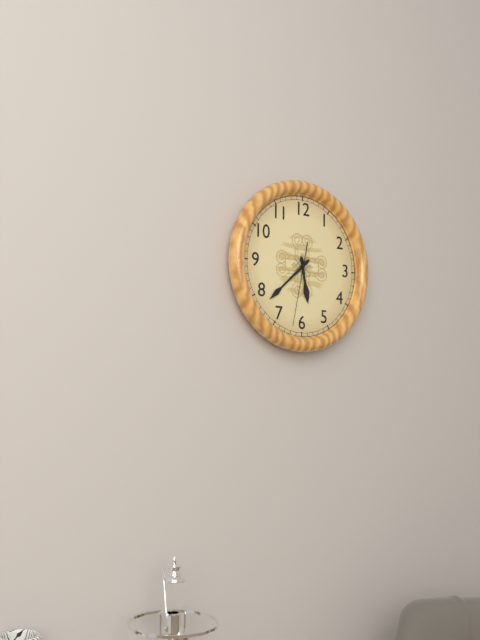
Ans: 5:38:32
